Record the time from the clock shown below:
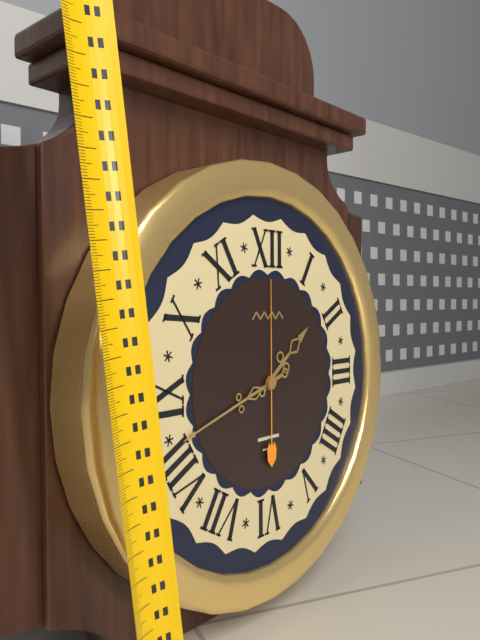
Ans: 1:42:00
